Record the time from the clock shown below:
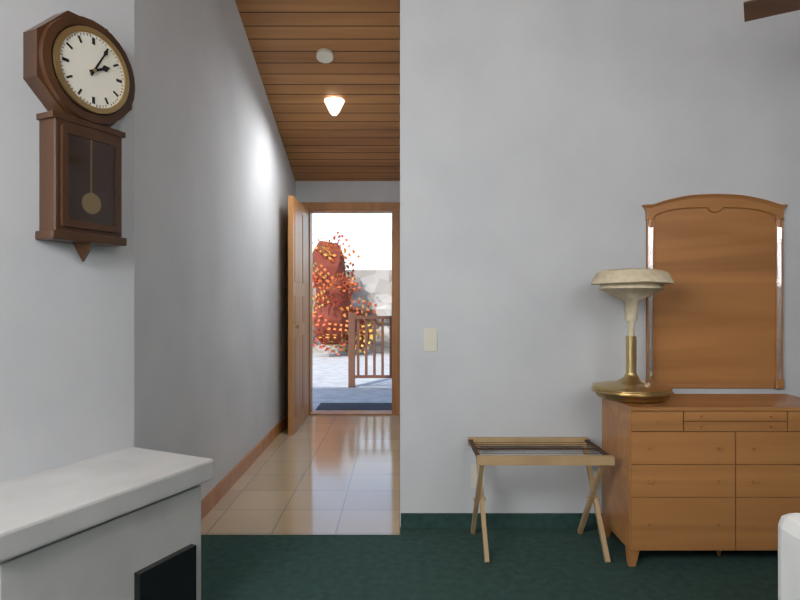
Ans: 2:05
